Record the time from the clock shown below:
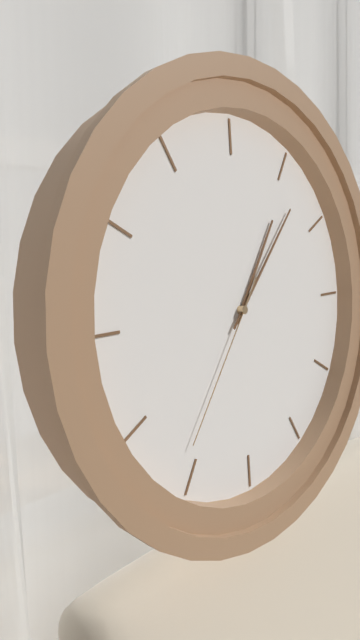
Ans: 1:07:36
